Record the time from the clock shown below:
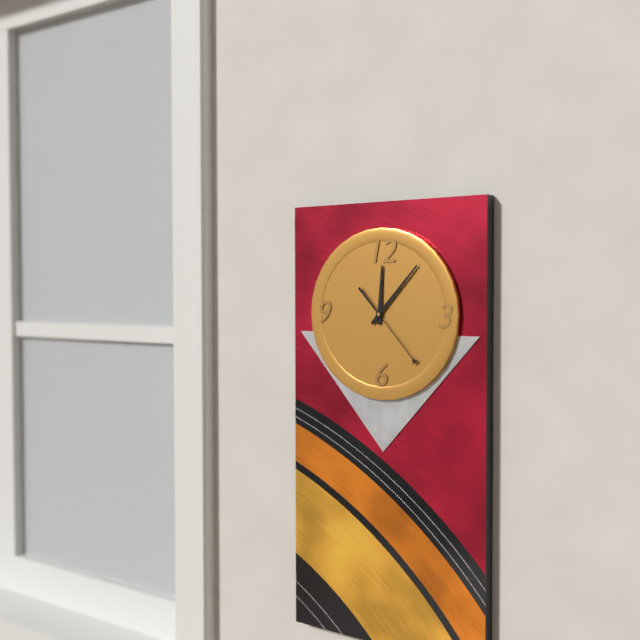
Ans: 12:07:23
